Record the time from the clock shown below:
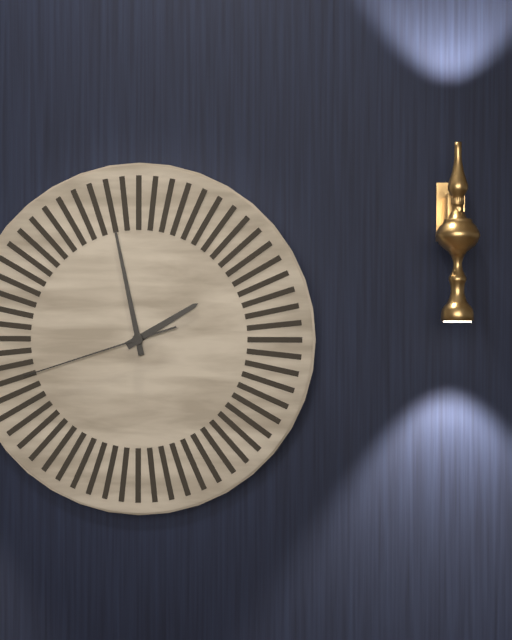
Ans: 1:58:42
